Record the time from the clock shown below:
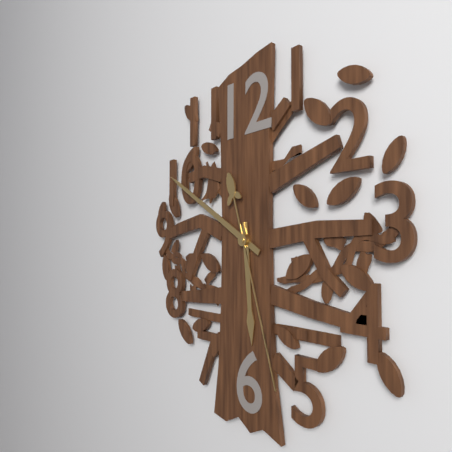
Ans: 5:50:27
